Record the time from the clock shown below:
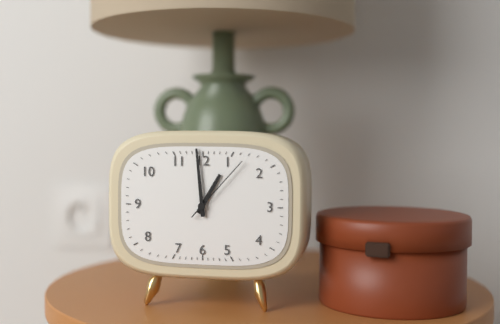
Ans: 12:59:07
